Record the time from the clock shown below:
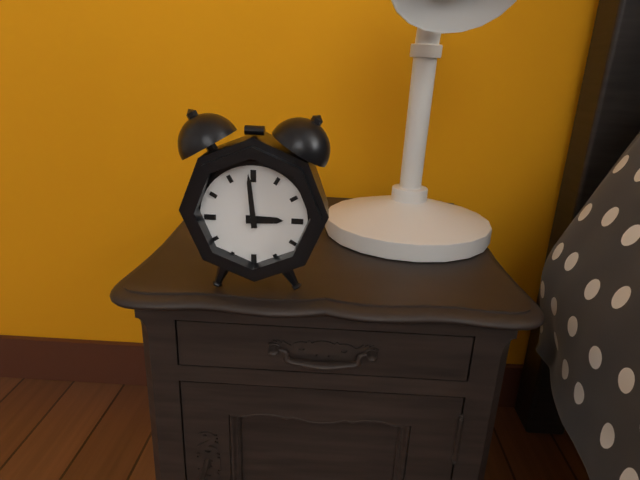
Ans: 2:59
